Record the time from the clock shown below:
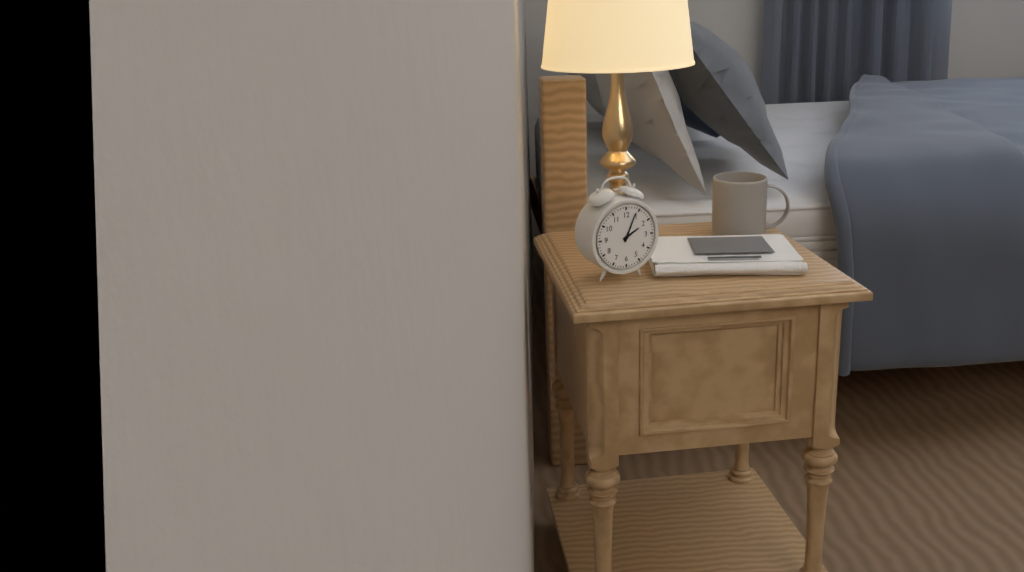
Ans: 2:04
